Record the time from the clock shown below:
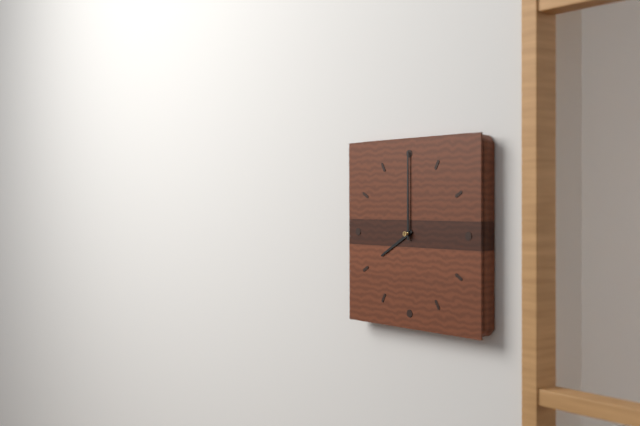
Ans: 8:00
